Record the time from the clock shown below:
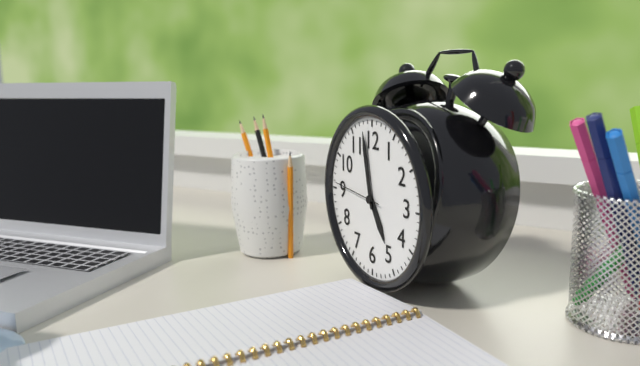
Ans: 4:58:46
